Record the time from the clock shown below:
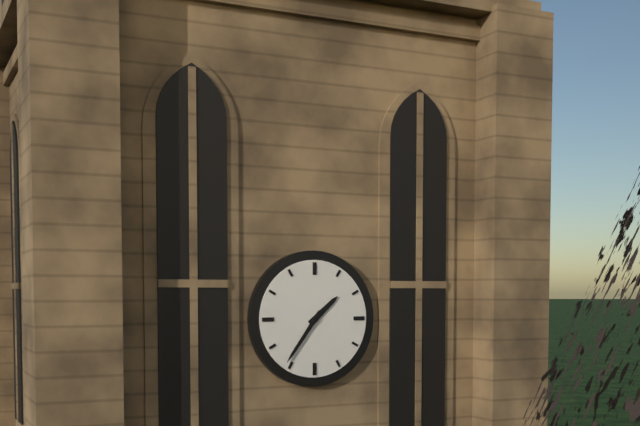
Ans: 1:36
